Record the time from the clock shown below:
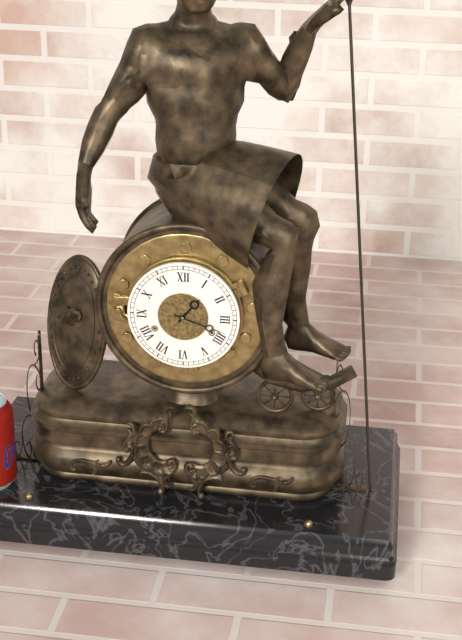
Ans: 1:18
